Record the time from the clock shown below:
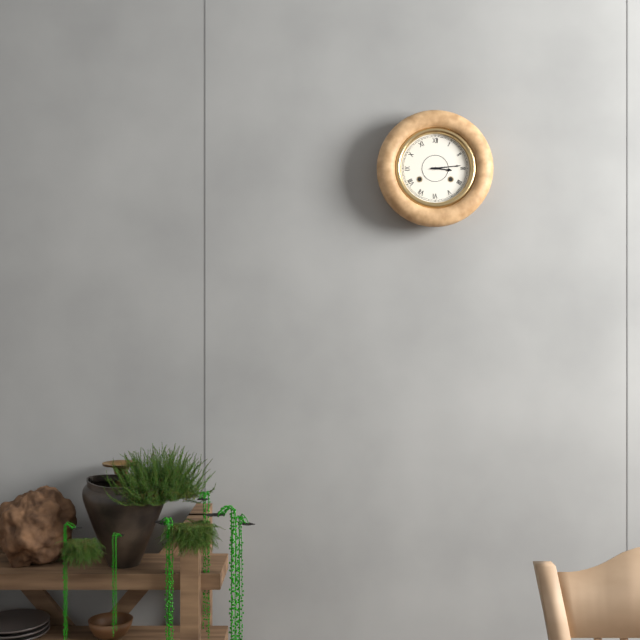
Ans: 3:14
